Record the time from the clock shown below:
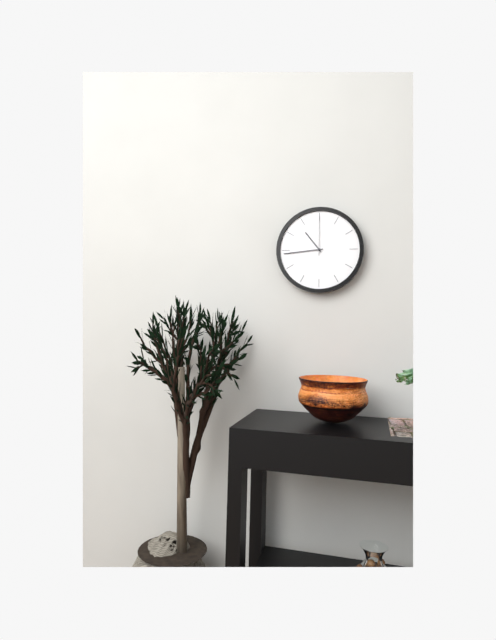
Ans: 10:44
